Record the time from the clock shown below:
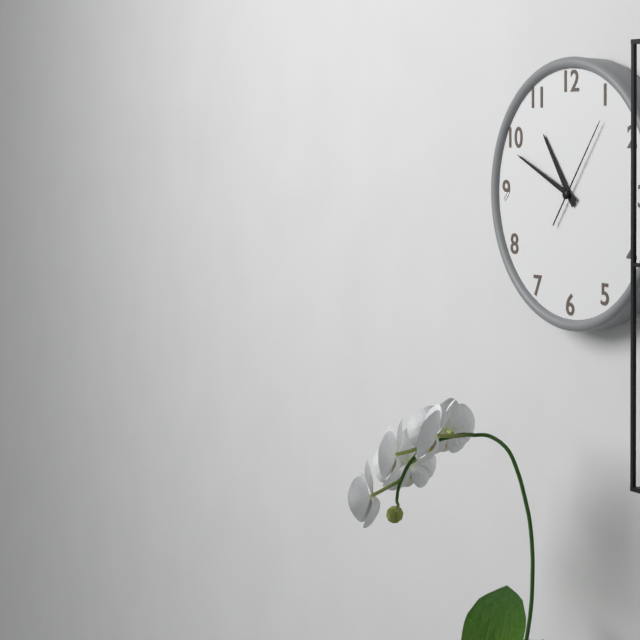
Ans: 10:49:06
